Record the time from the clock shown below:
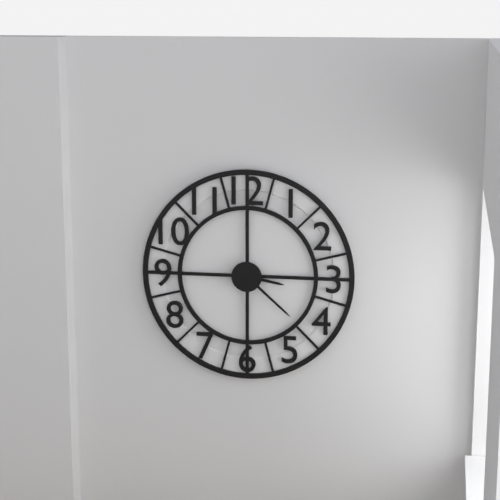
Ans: 3:22
